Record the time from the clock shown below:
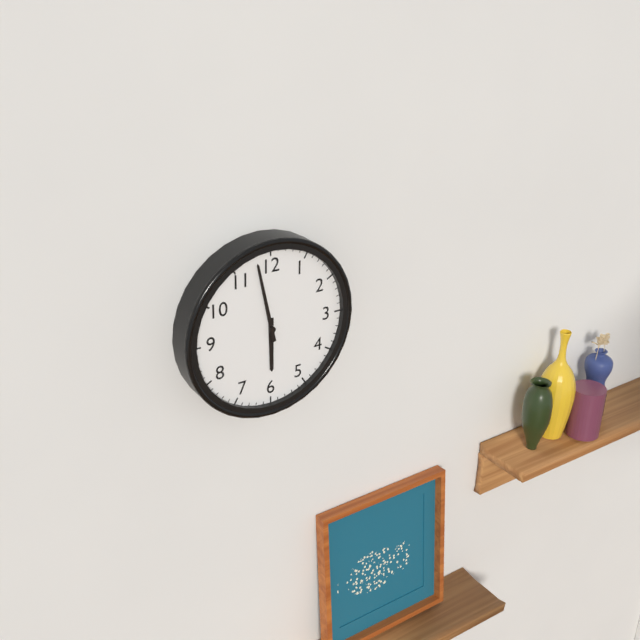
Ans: 5:58
